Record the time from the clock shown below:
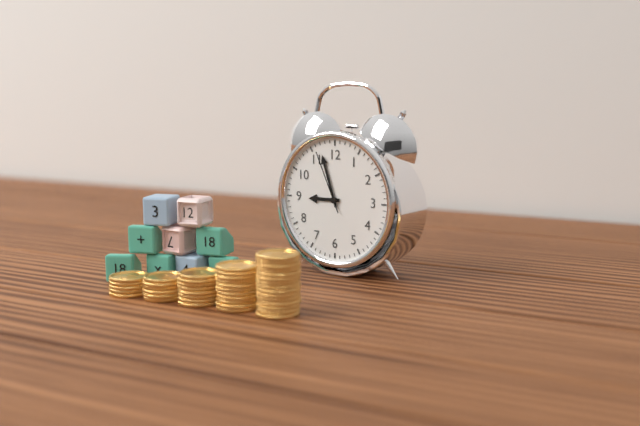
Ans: 8:57:56
